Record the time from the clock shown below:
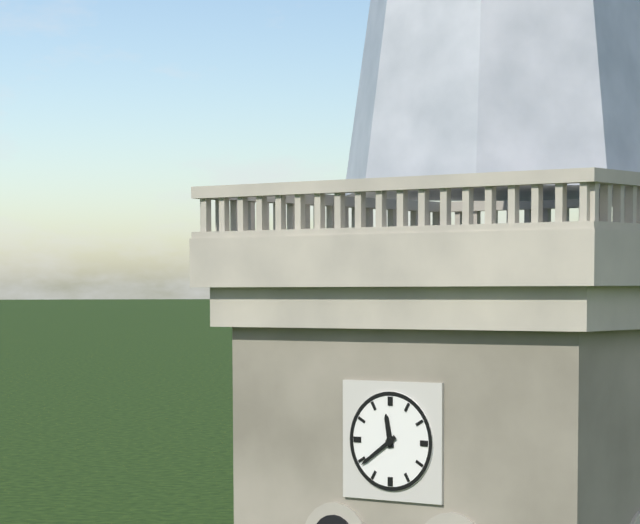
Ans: 11:39
